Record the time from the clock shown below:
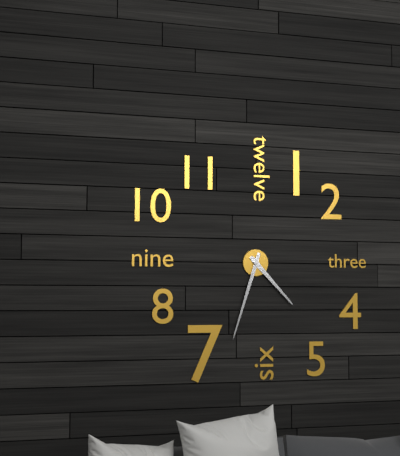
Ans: 4:33
